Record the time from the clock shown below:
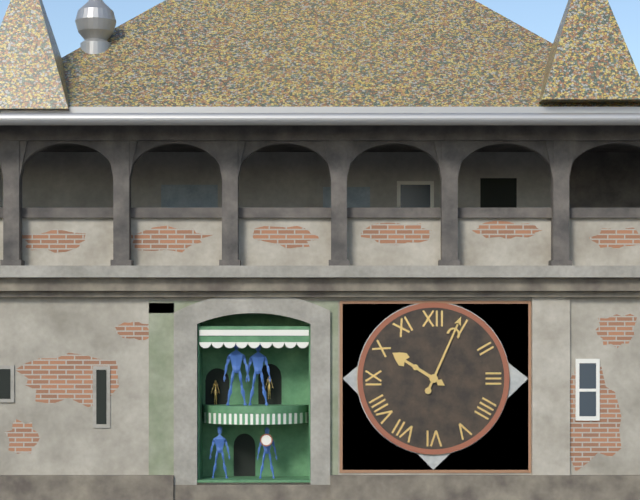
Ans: 10:04
